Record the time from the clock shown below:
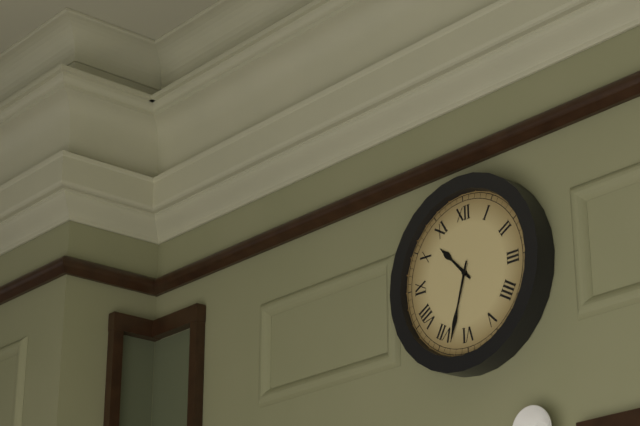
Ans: 10:33
